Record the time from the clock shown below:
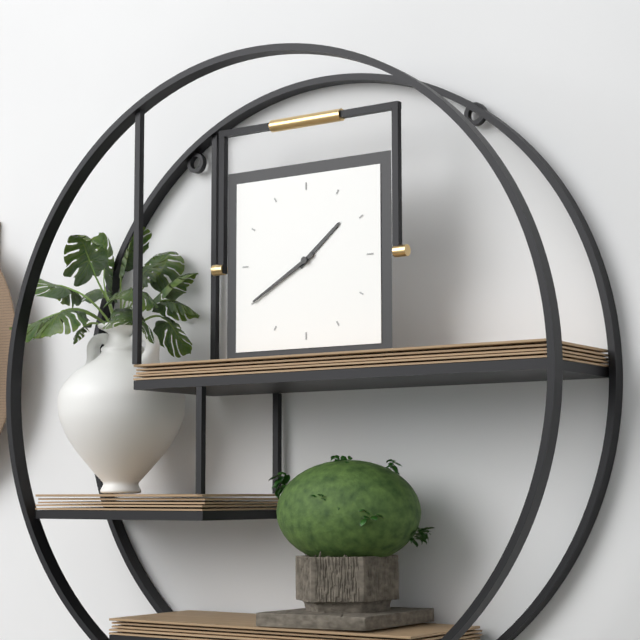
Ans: 1:40
